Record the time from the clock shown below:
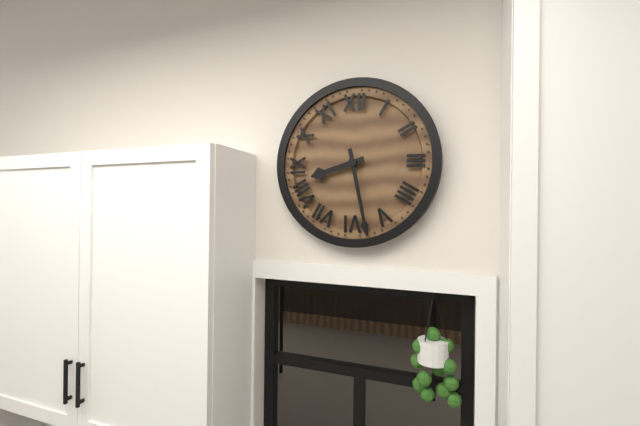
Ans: 8:28
